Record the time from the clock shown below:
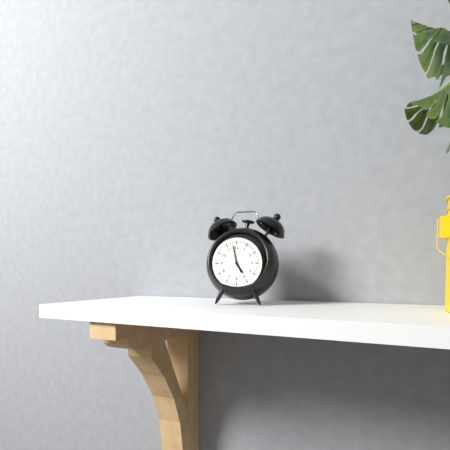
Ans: 4:58
